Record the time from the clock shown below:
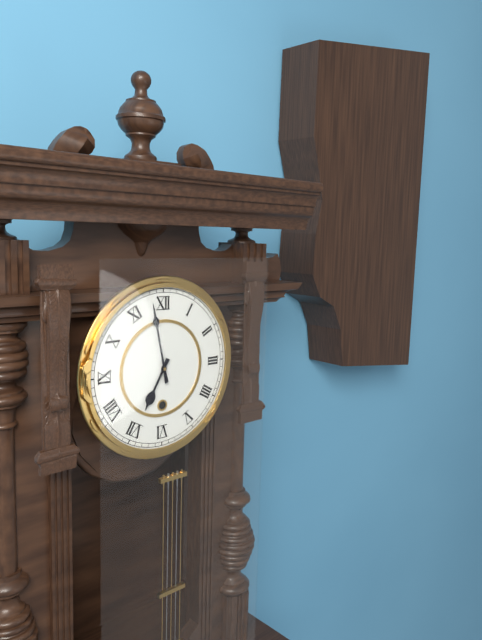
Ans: 6:58
